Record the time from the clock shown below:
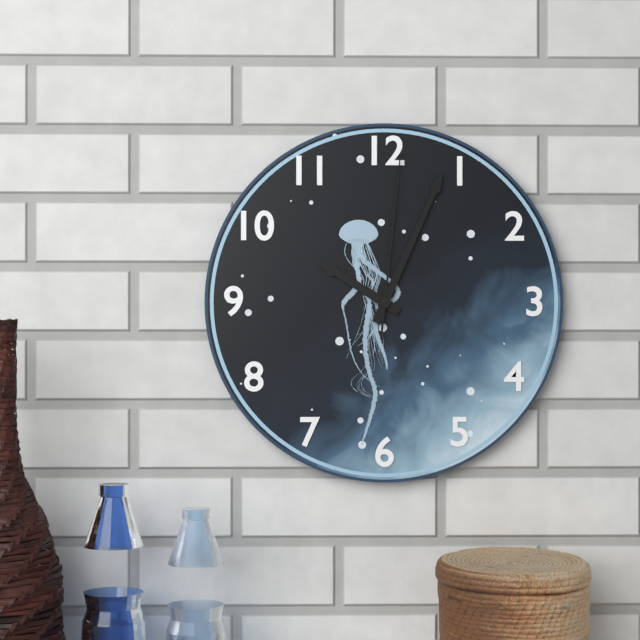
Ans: 10:04:01
